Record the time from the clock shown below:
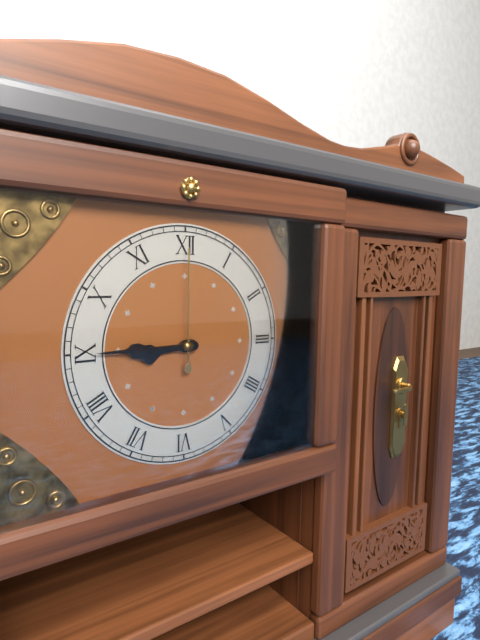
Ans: 8:45:00
